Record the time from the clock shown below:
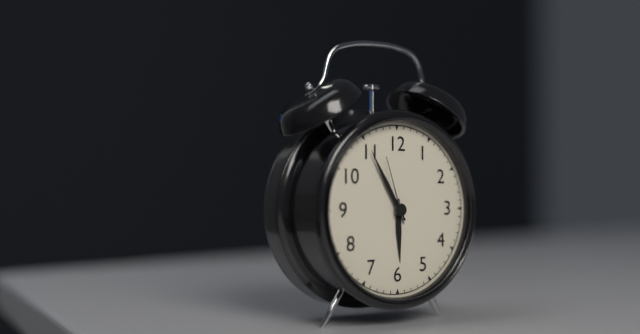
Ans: 5:55:57
